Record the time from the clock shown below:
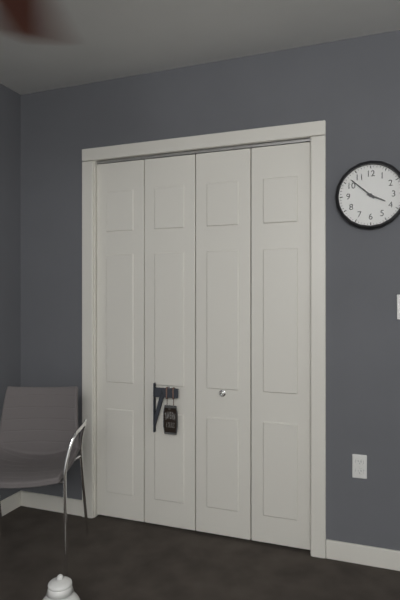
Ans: 3:52
